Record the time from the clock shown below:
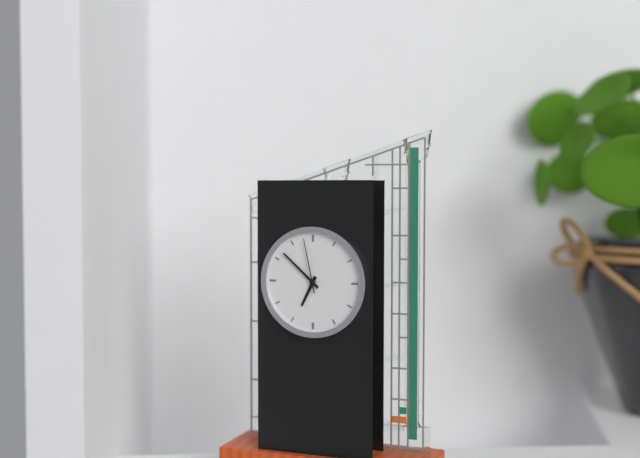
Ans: 6:52:58
